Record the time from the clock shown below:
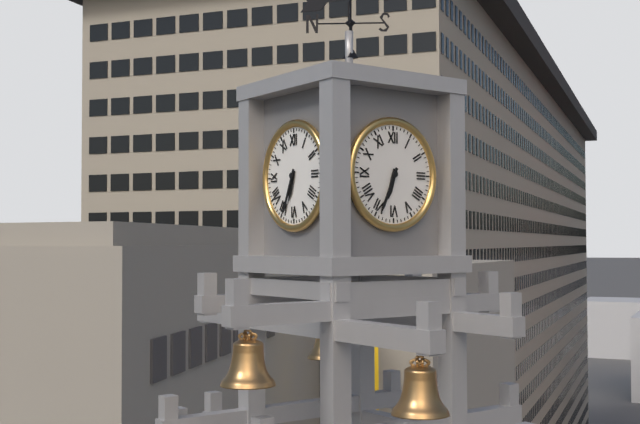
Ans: 6:34
